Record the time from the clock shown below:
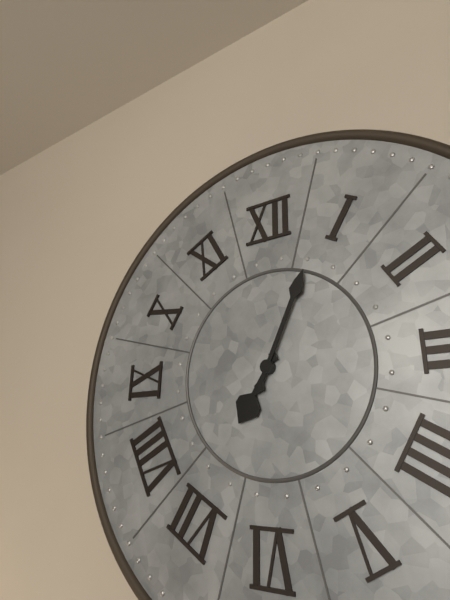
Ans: 7:04
